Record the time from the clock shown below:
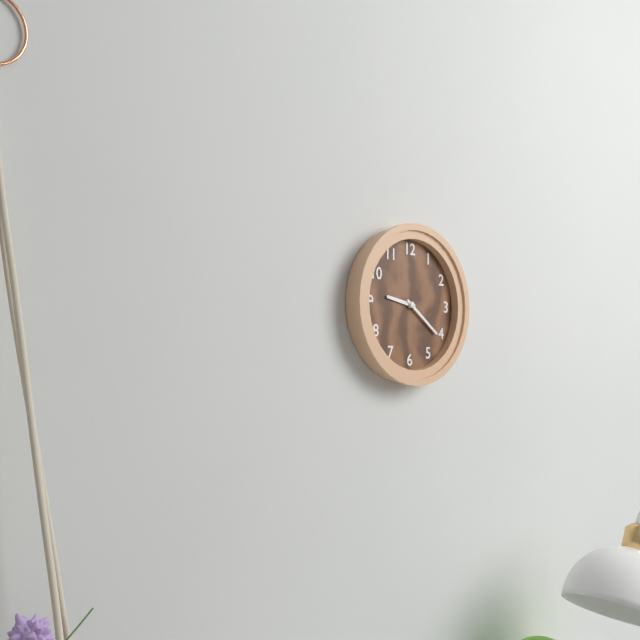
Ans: 9:21
